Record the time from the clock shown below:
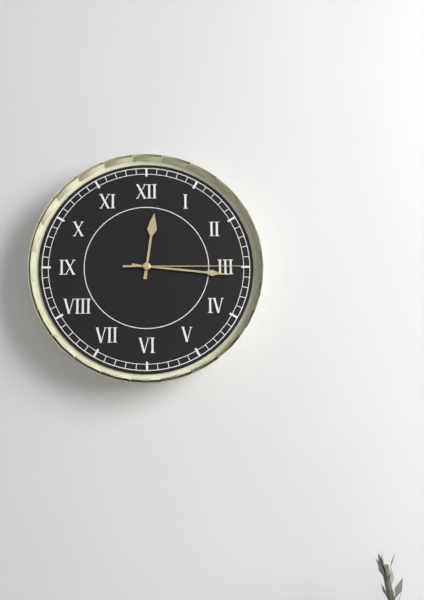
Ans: 12:16:15
